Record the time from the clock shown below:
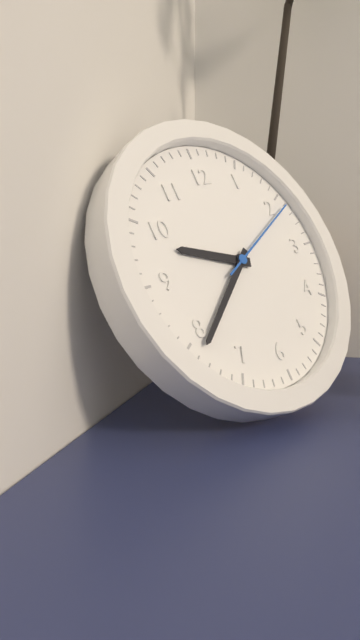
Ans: 9:39:11
